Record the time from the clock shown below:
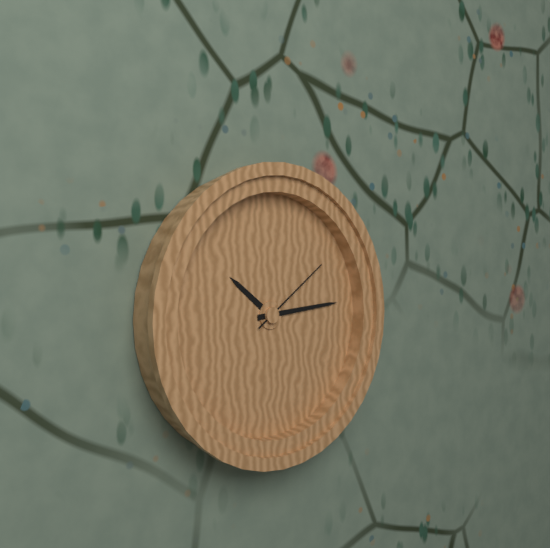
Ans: 10:14:09
